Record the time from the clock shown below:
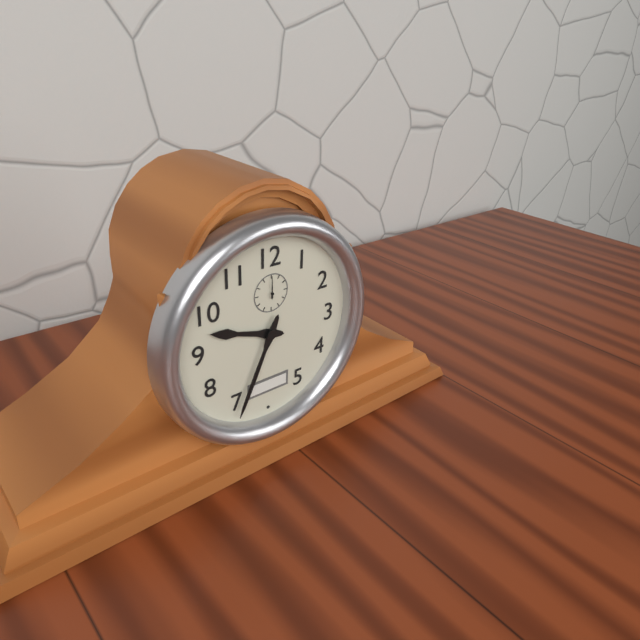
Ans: 9:34
